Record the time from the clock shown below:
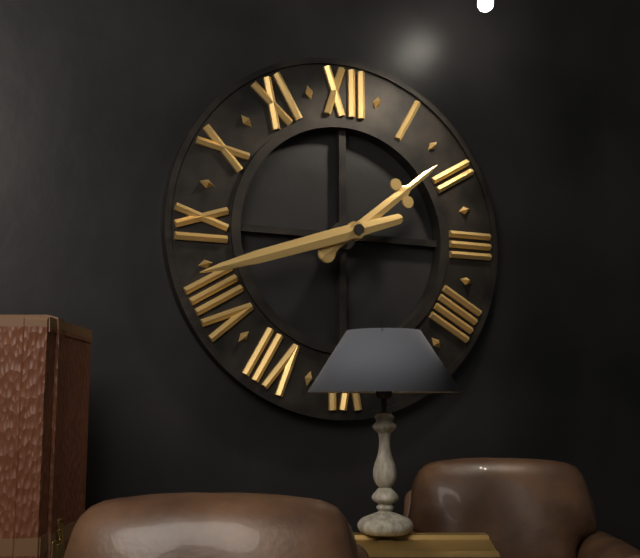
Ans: 1:42
